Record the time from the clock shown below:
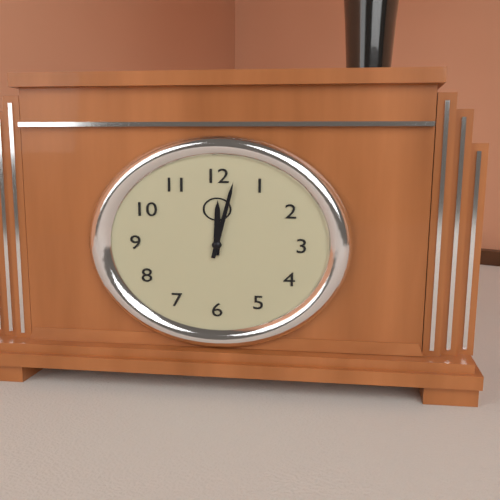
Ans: 12:02
